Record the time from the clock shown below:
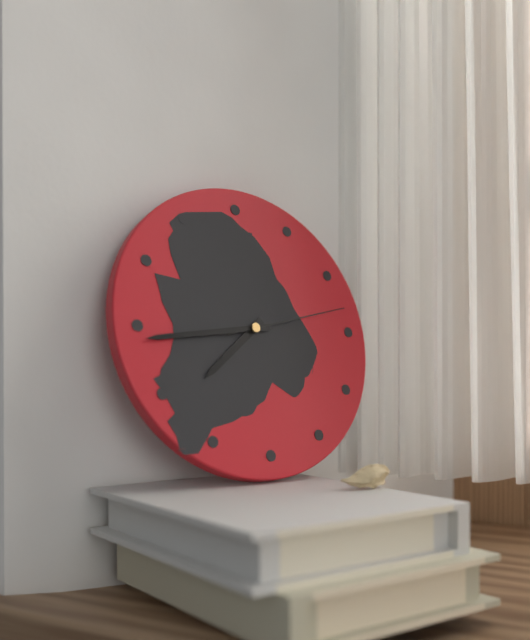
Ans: 7:44:13
